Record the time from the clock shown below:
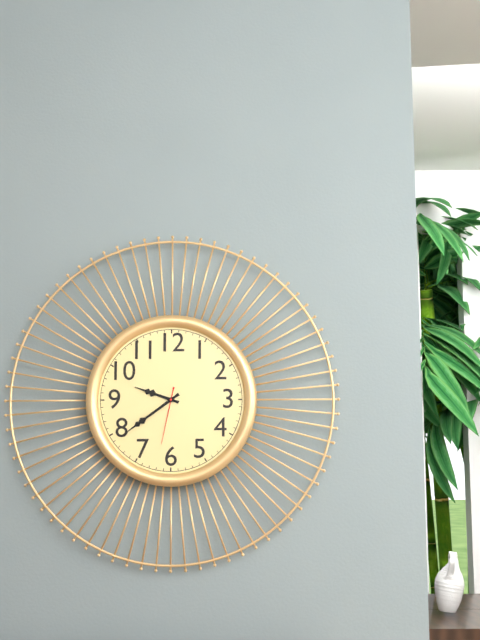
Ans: 9:39:32
